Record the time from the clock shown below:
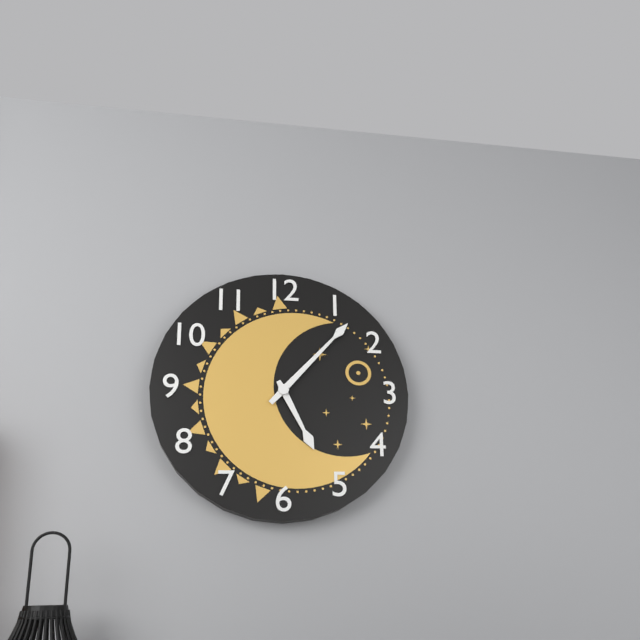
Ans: 5:07
